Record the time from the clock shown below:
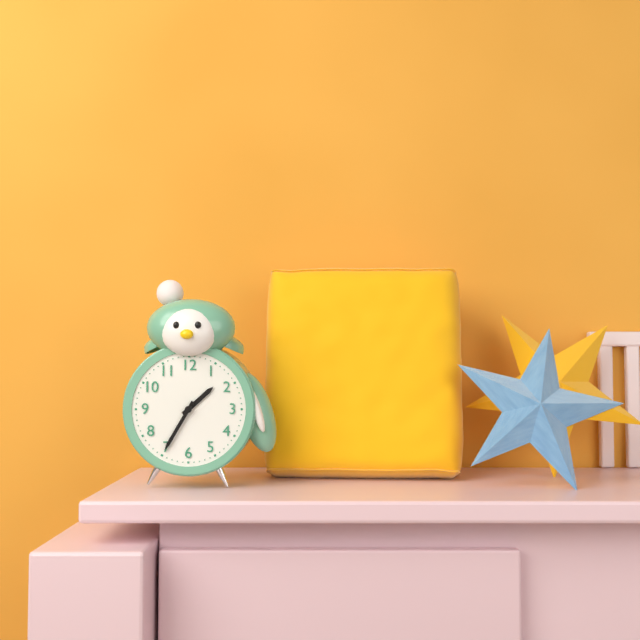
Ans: 1:35
